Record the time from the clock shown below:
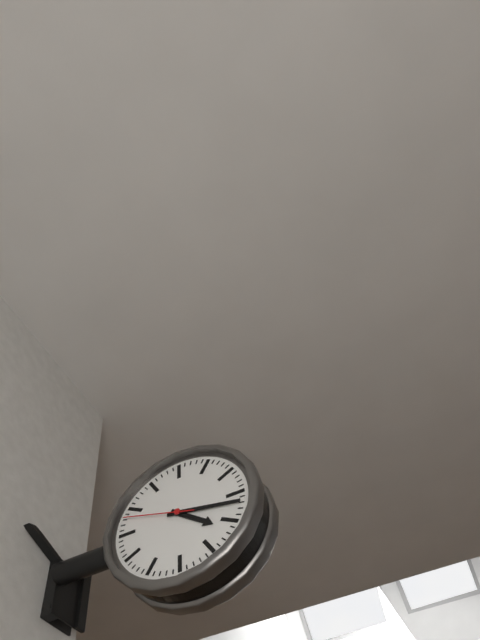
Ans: 4:17:48
